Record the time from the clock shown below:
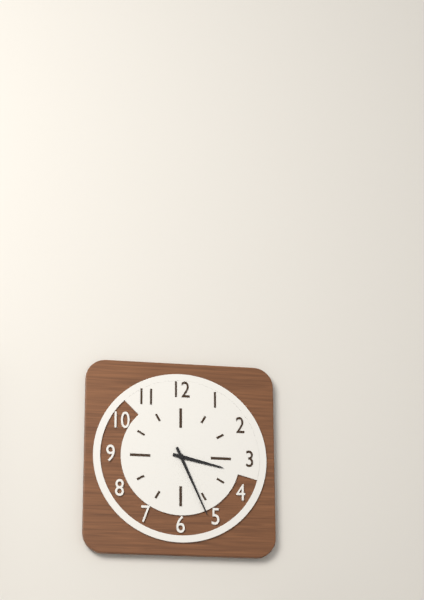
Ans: 3:26
